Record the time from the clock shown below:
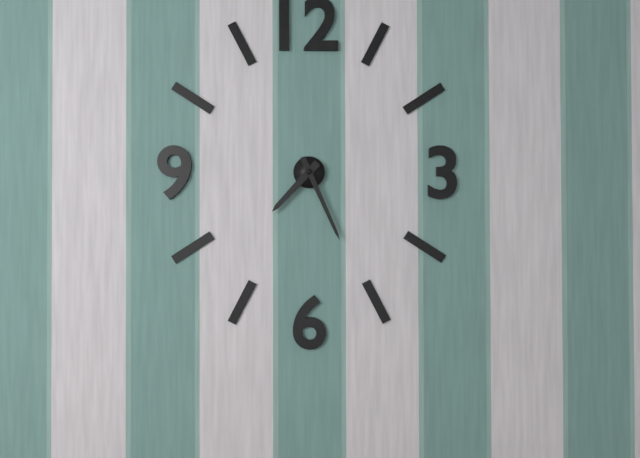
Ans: 7:26
